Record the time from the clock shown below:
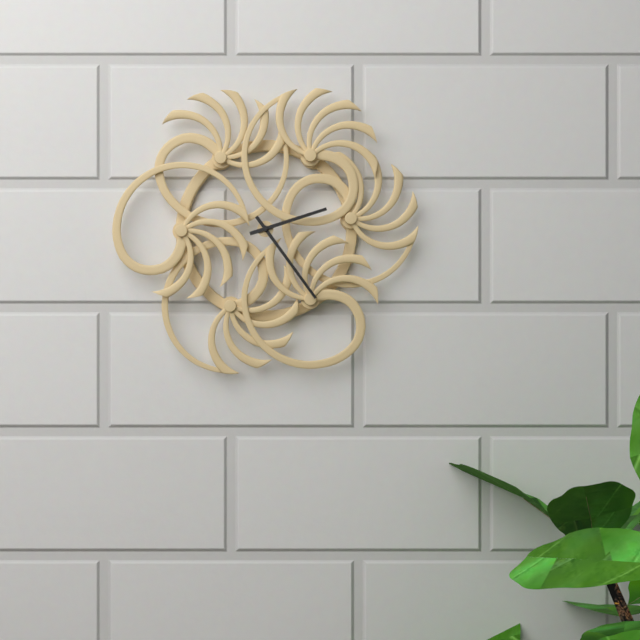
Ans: 2:24
